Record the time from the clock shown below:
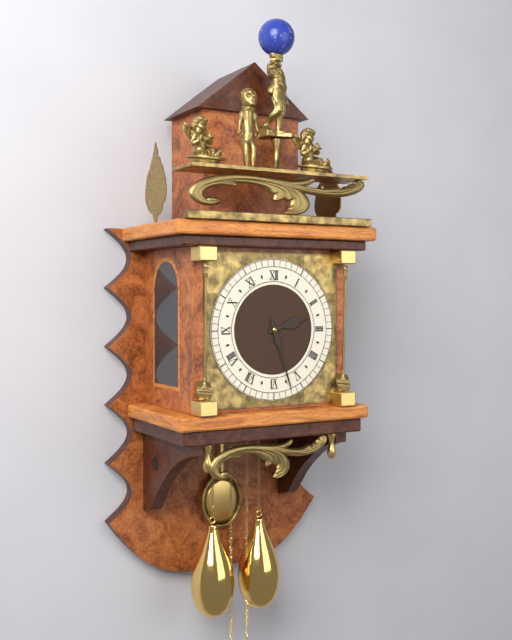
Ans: 2:27
